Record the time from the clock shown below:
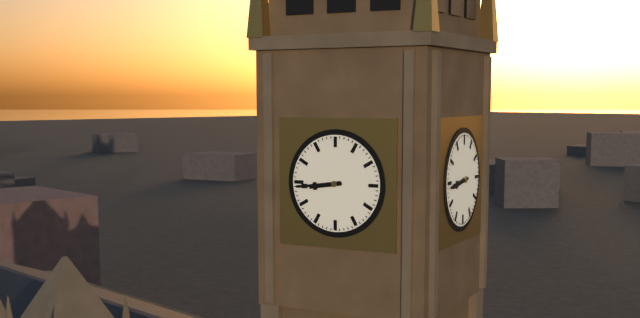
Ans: 8:44
